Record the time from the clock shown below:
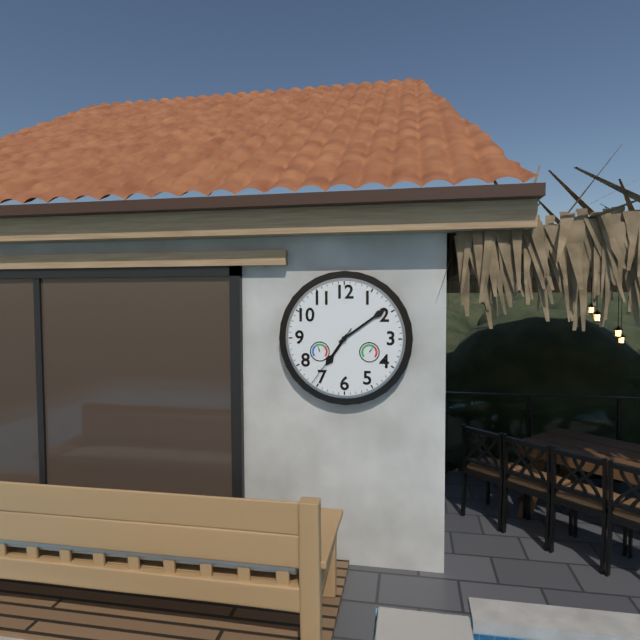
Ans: 7:09:36
